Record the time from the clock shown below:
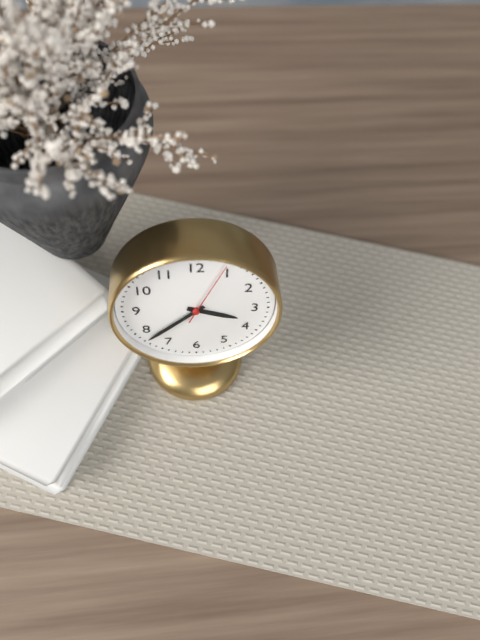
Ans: 3:38:04
